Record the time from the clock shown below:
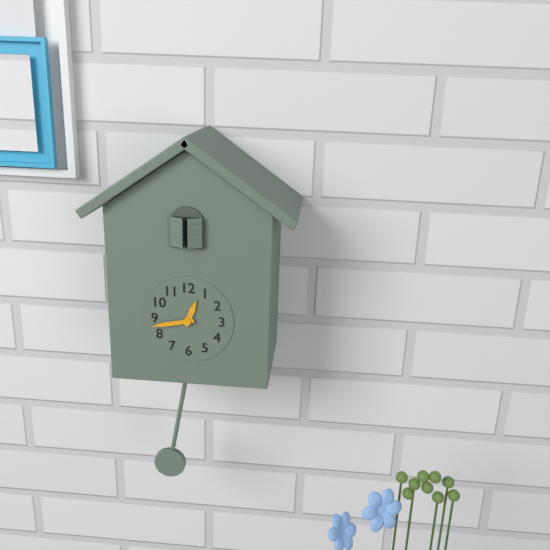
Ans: 12:43
